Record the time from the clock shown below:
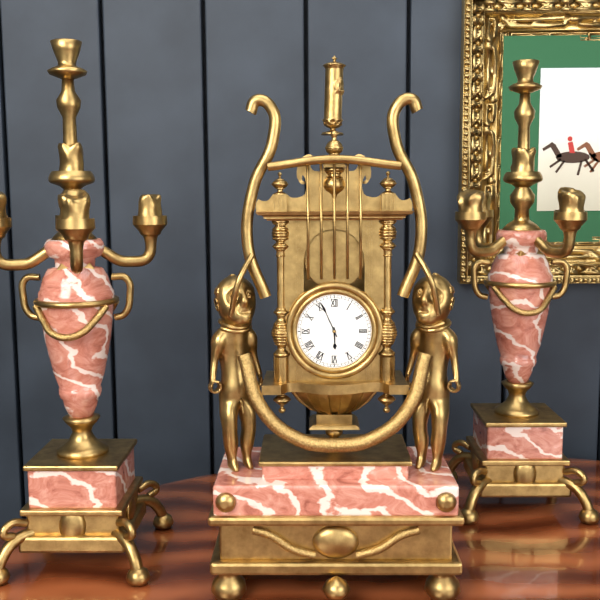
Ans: 5:56
